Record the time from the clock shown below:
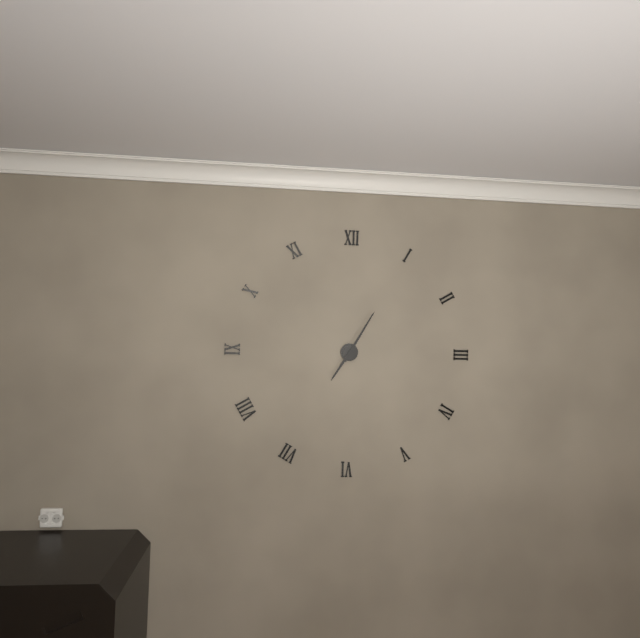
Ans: 7:05
